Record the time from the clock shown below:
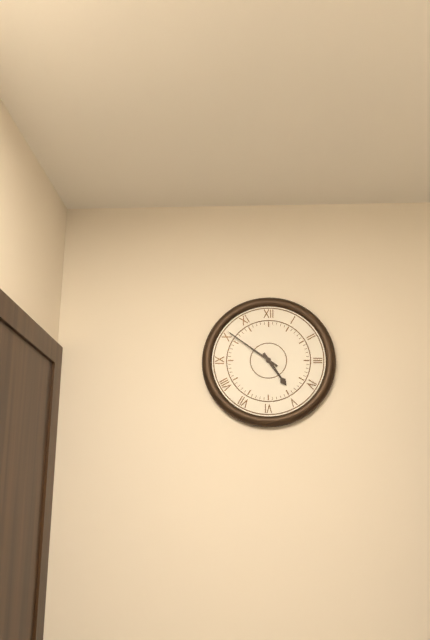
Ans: 4:51
